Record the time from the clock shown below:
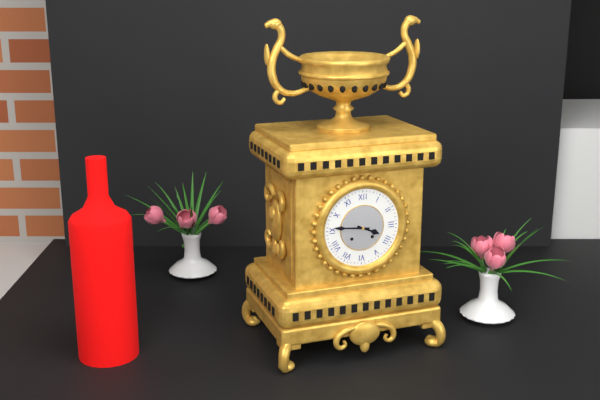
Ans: 3:46
